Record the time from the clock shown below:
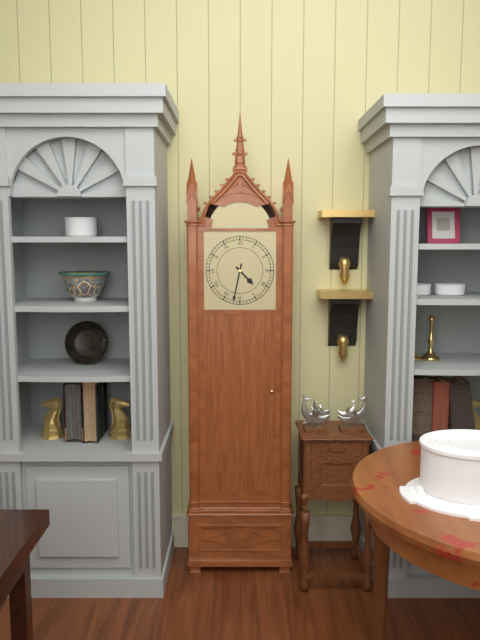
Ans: 4:32
